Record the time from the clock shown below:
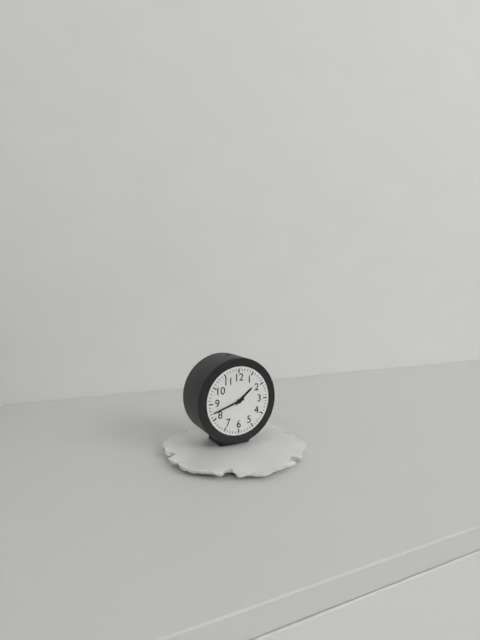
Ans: 1:42
